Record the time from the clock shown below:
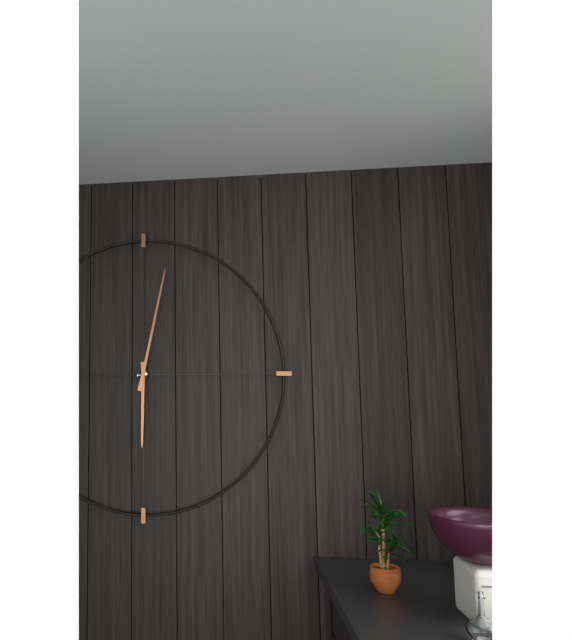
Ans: 6:02
